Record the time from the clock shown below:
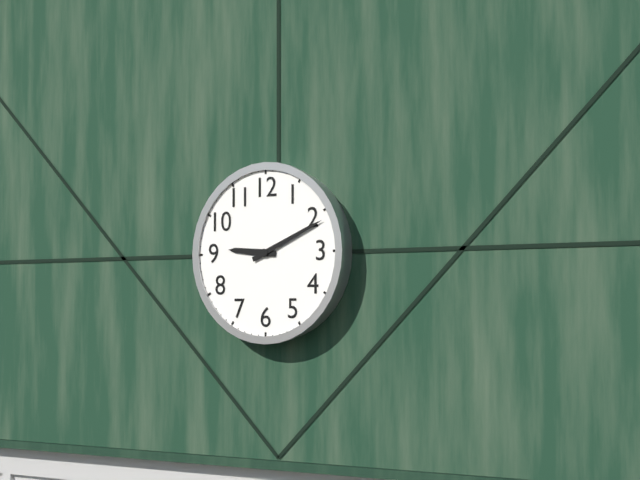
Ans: 9:11
